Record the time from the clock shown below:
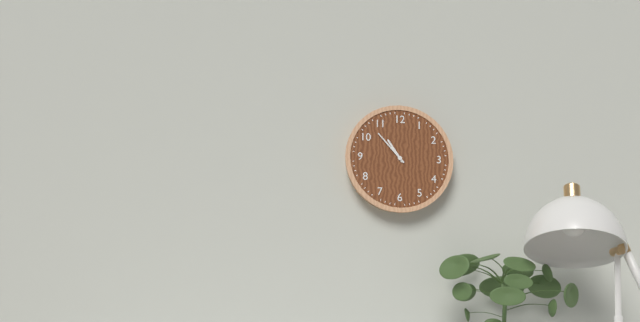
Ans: 10:53
